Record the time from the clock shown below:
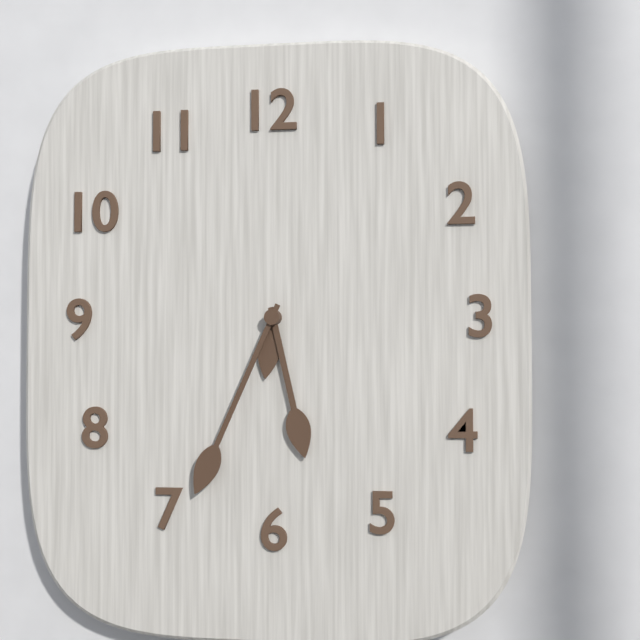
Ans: 5:34
